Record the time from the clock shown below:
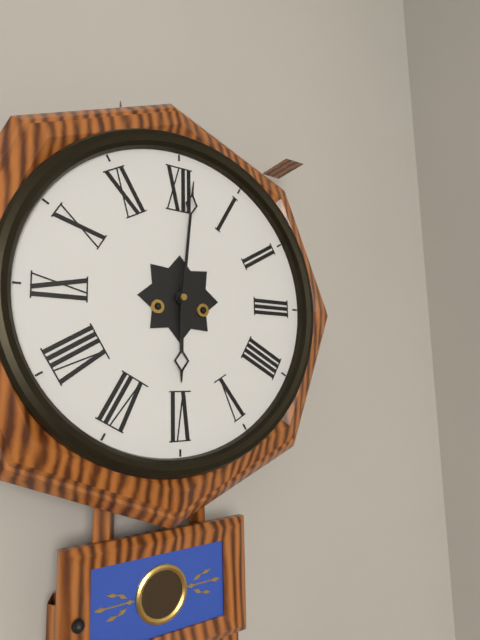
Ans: 6:01
